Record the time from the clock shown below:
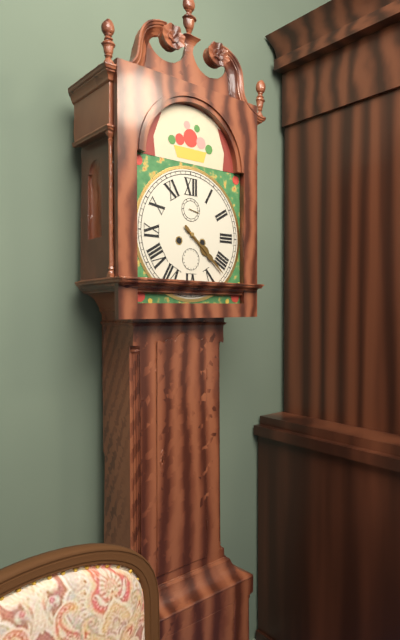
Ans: 4:22
